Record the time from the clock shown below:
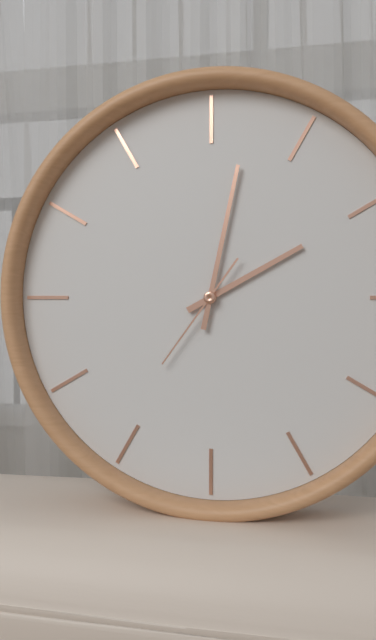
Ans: 2:02:36
